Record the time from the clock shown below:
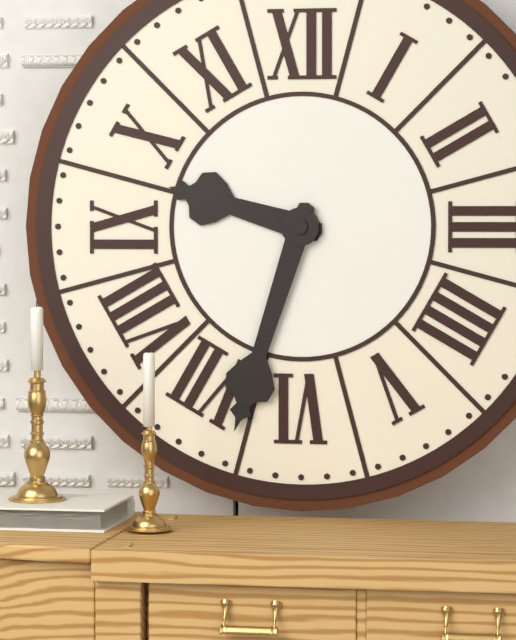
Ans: 9:33
